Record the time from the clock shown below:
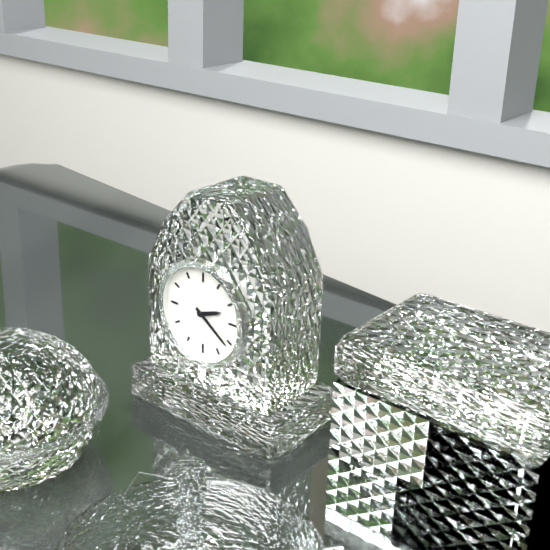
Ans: 2:21
